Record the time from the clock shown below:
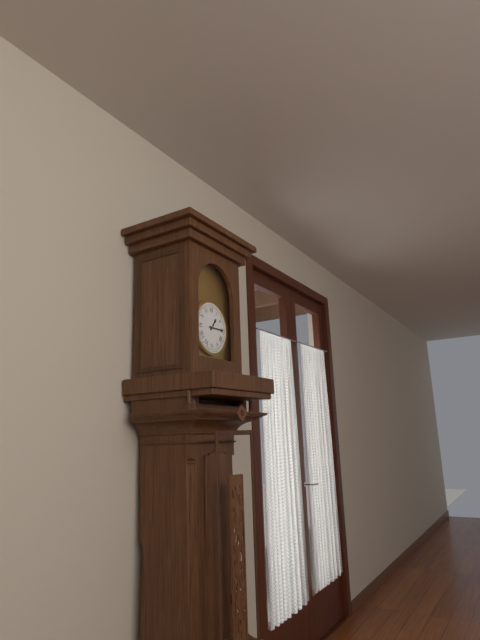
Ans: 1:15
